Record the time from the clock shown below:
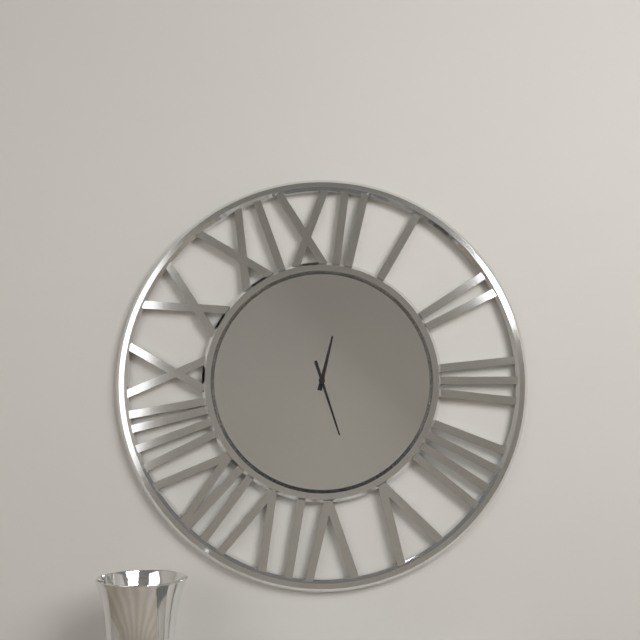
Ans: 12:27
